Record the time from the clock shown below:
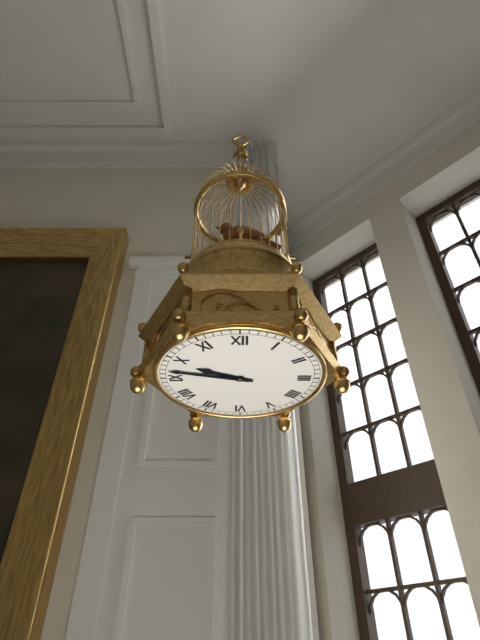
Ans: 9:47
